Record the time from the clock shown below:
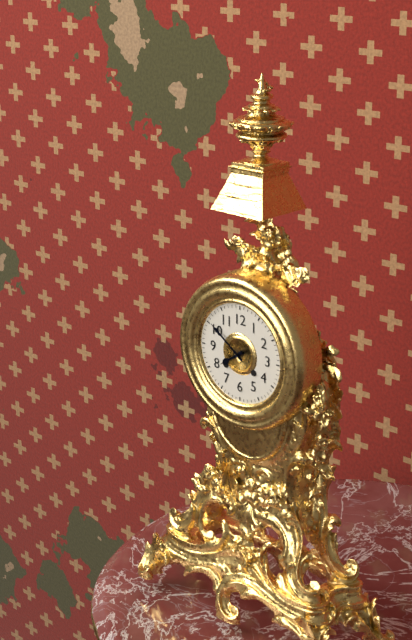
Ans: 7:51
